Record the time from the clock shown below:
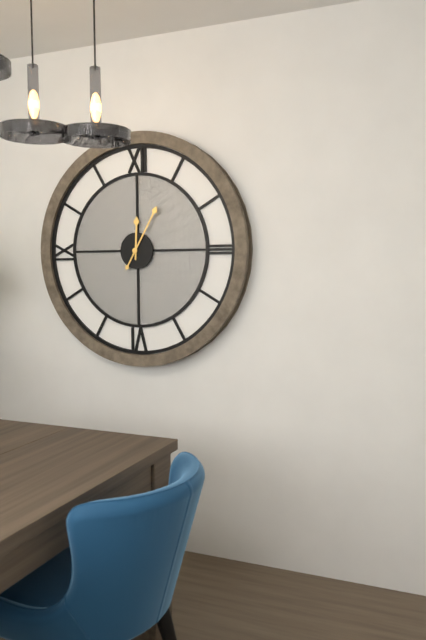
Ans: 12:05
